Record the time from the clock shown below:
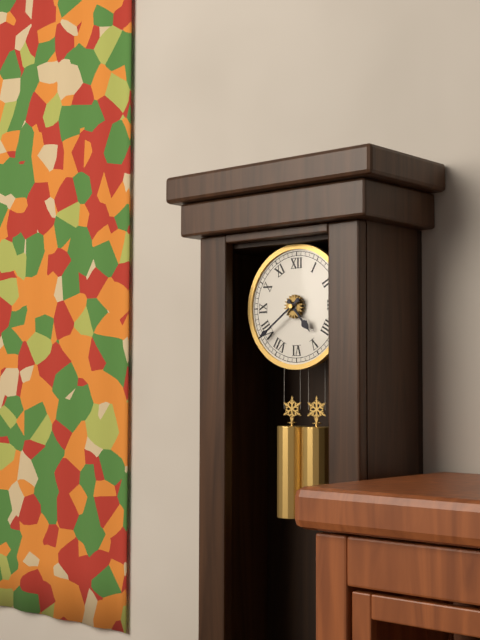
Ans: 4:39
